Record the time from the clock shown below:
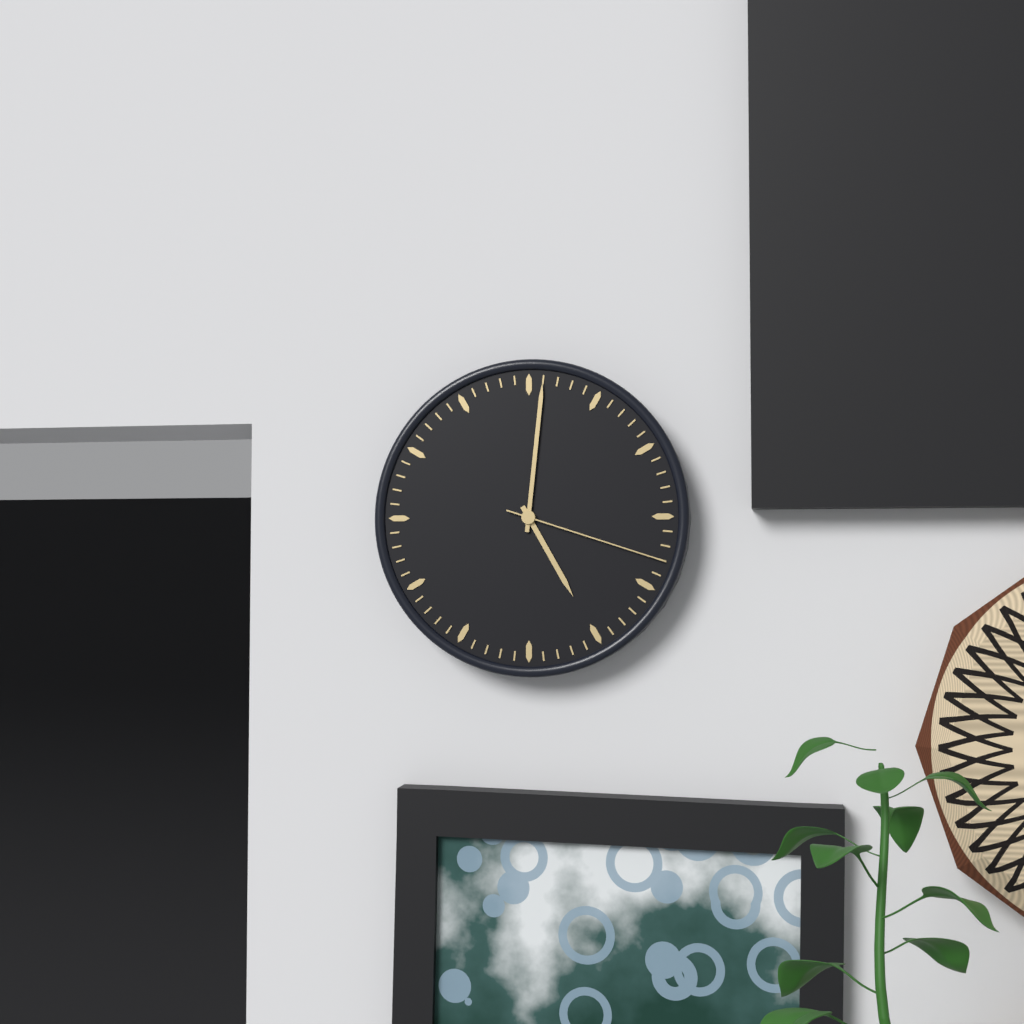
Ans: 5:01:18
